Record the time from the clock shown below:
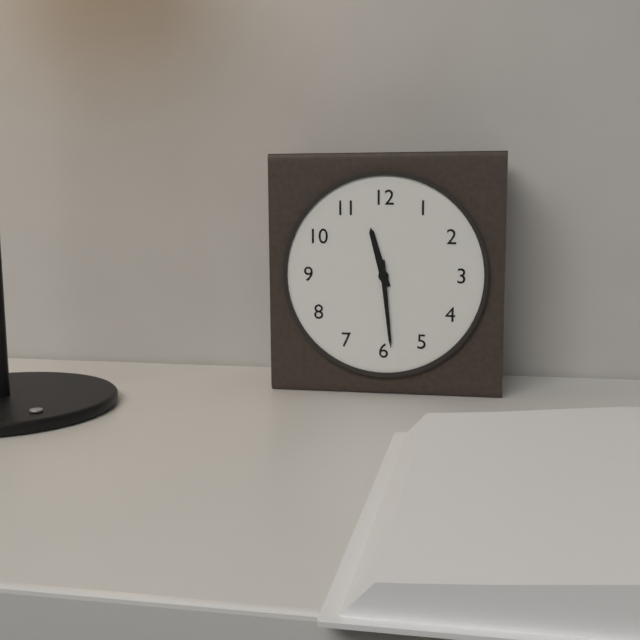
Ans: 11:29
